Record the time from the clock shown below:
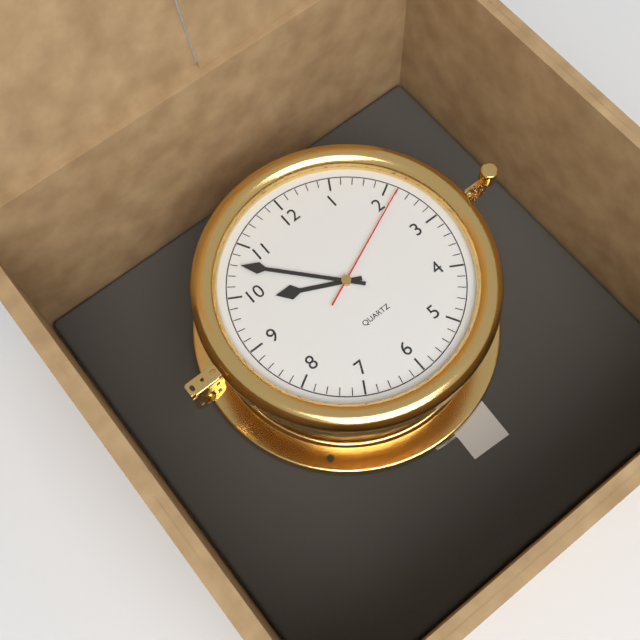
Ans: 9:53:11
